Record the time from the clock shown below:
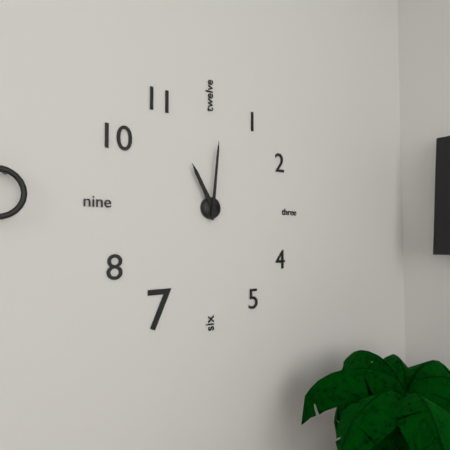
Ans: 11:01
